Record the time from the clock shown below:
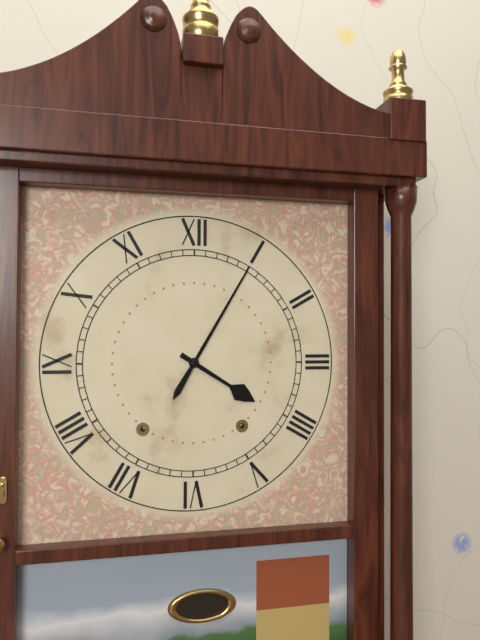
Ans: 4:05
